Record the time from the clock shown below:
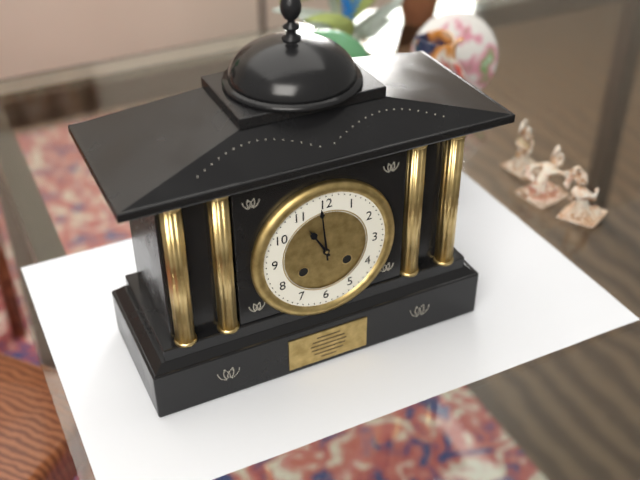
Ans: 10:59
